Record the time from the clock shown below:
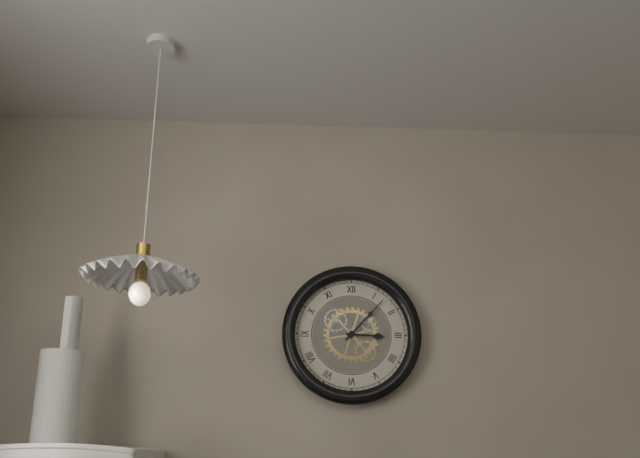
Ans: 3:07
